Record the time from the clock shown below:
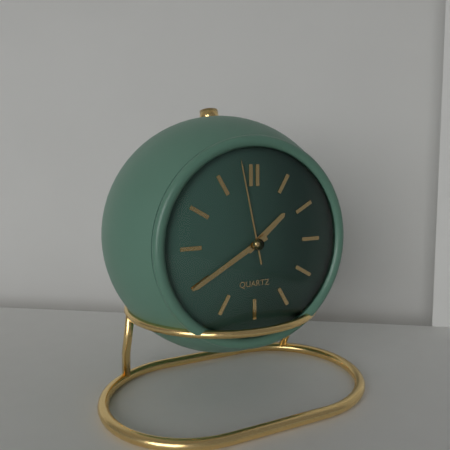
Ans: 1:40:58
